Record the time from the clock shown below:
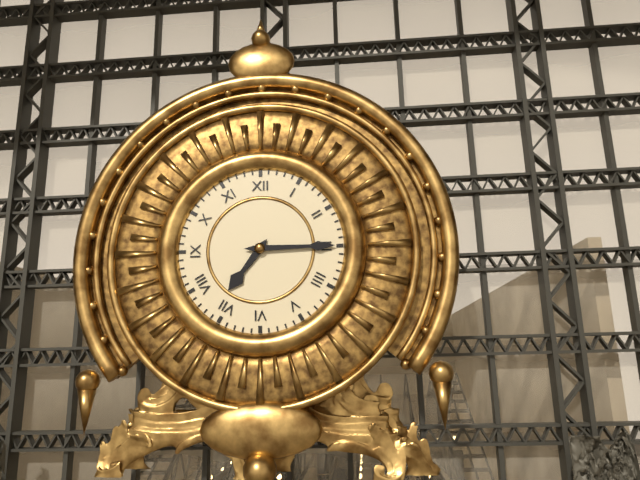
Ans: 7:15
